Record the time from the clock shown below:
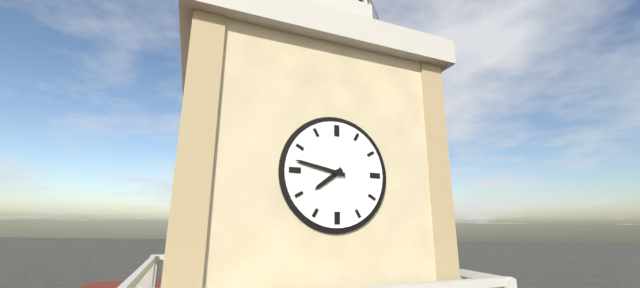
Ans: 7:47
